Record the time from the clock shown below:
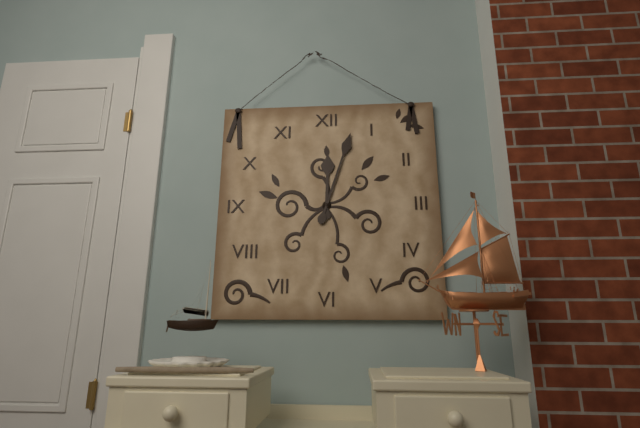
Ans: 12:03
